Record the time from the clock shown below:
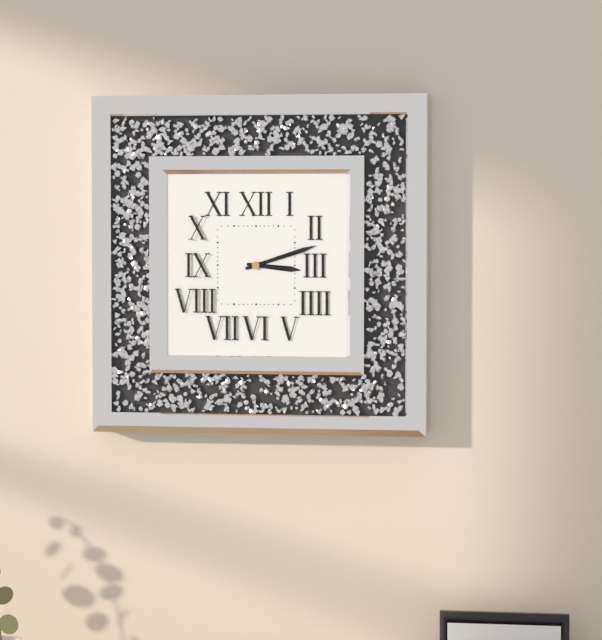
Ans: 3:12
